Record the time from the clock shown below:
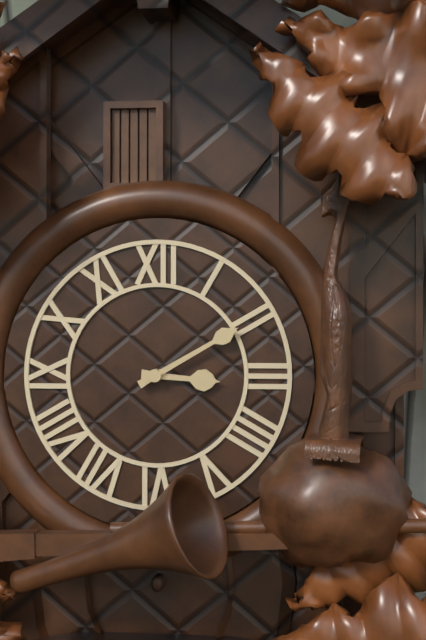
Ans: 3:10
